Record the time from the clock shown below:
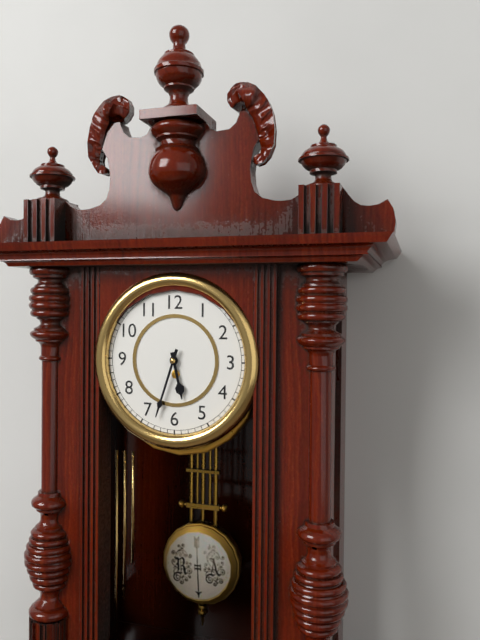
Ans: 5:33
